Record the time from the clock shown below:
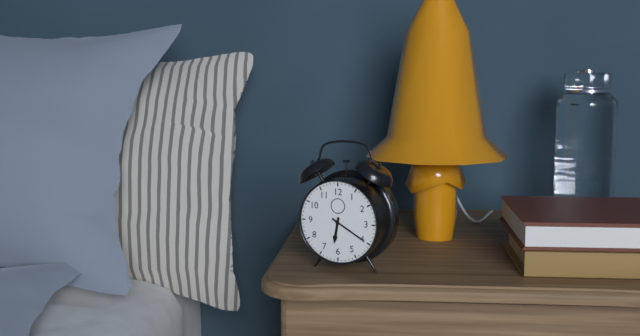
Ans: 6:20
